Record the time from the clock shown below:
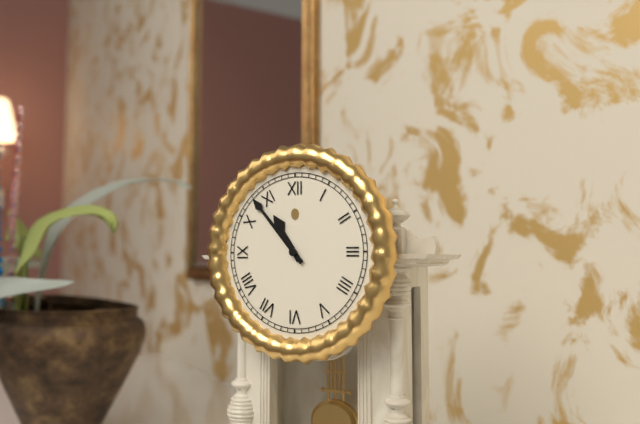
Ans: 10:53
